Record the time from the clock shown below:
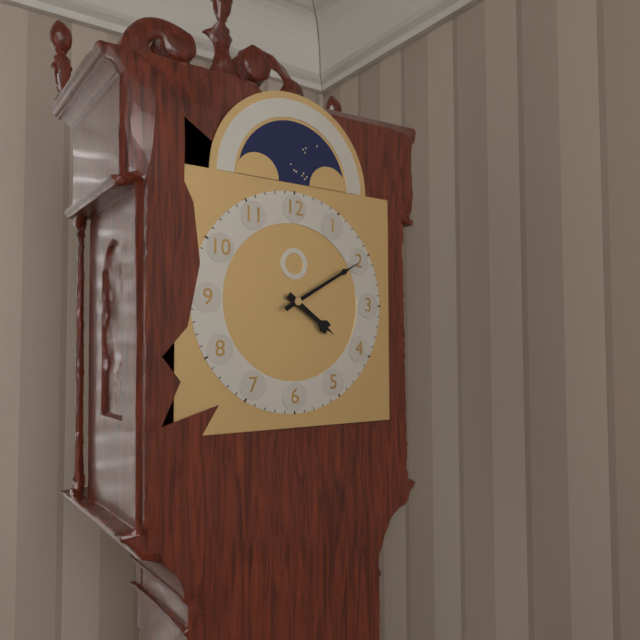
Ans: 4:10
